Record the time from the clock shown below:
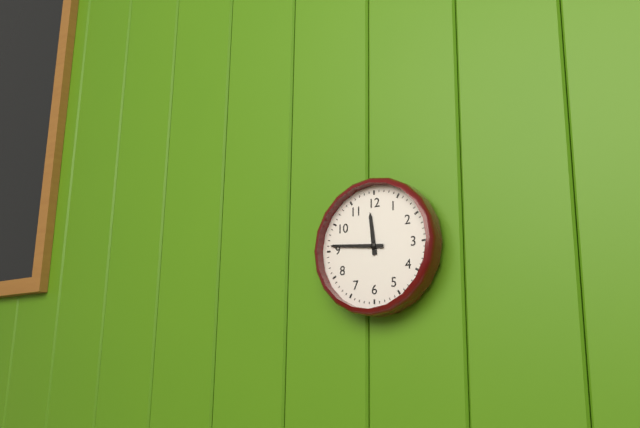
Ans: 11:46
